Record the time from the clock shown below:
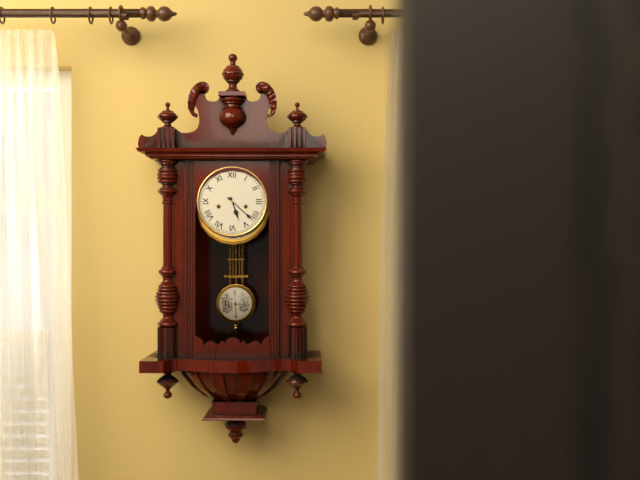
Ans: 5:22
